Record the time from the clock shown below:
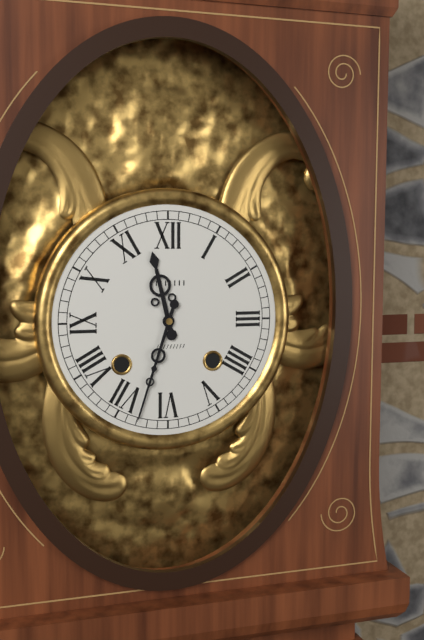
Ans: 11:33
